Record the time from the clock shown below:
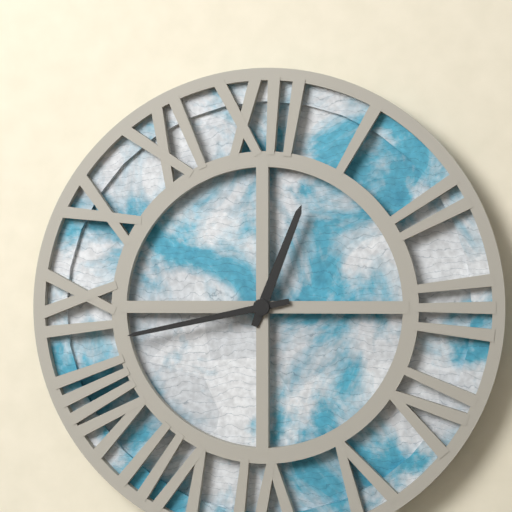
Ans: 12:43
